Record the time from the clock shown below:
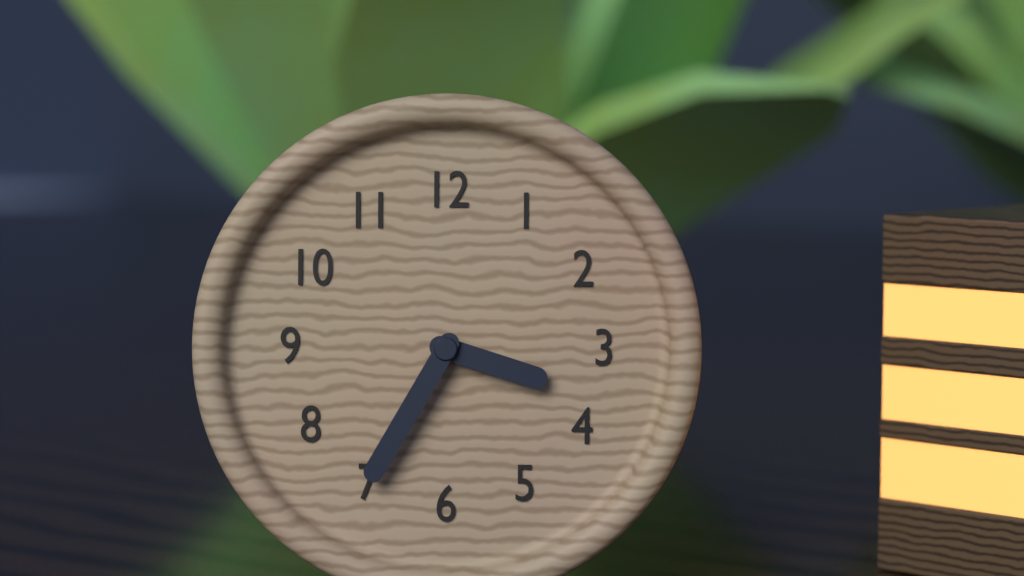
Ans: 3:35
